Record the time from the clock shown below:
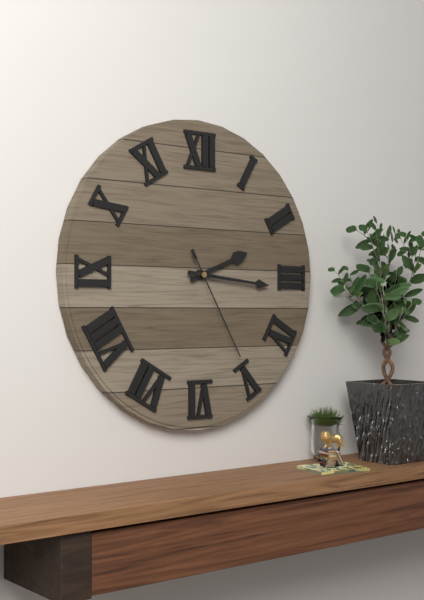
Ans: 2:16:25
